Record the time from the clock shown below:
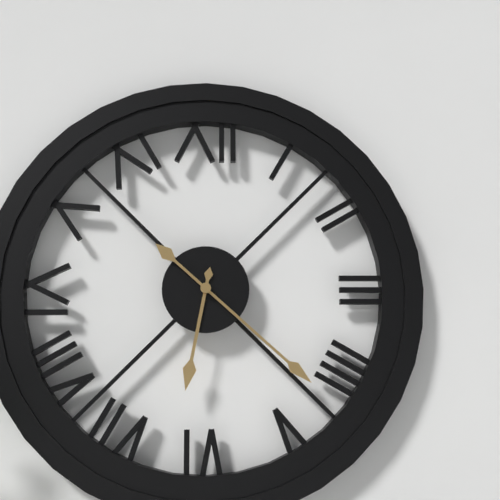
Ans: 6:22
